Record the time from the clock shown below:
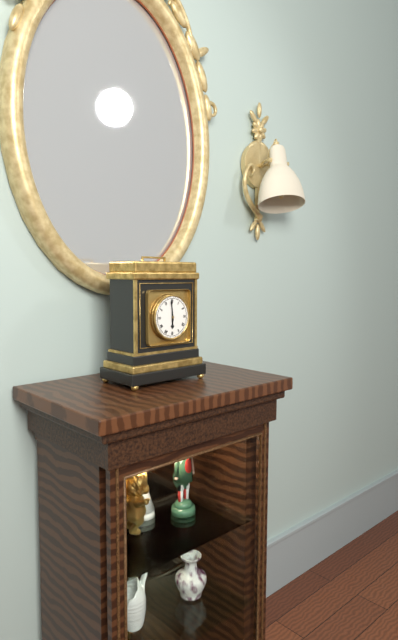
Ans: 5:59
